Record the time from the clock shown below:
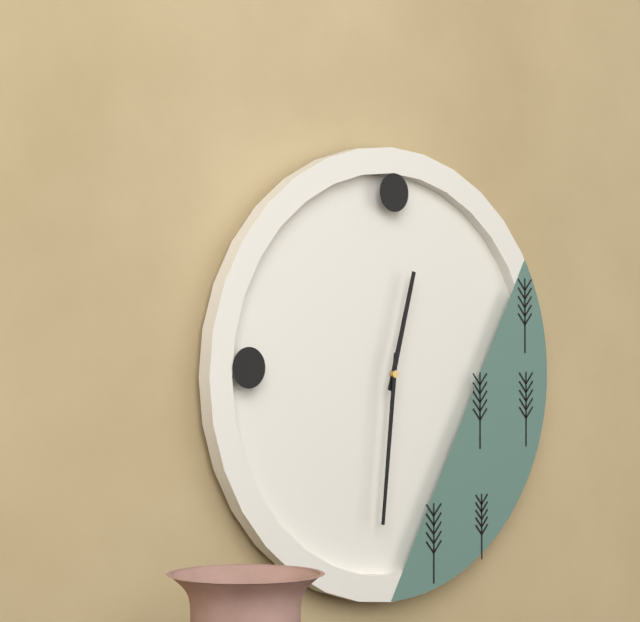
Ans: 12:31
